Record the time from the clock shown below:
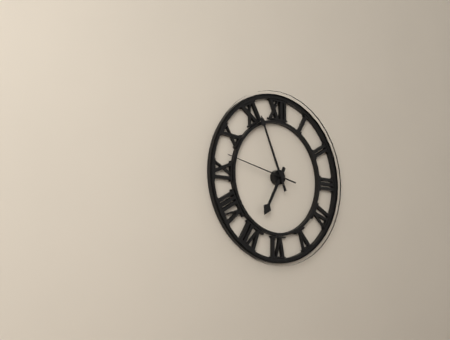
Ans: 6:56:47
